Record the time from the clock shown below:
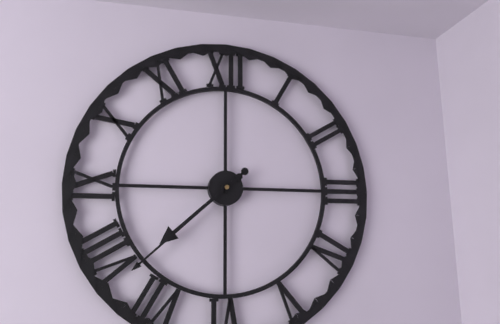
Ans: 7:38
